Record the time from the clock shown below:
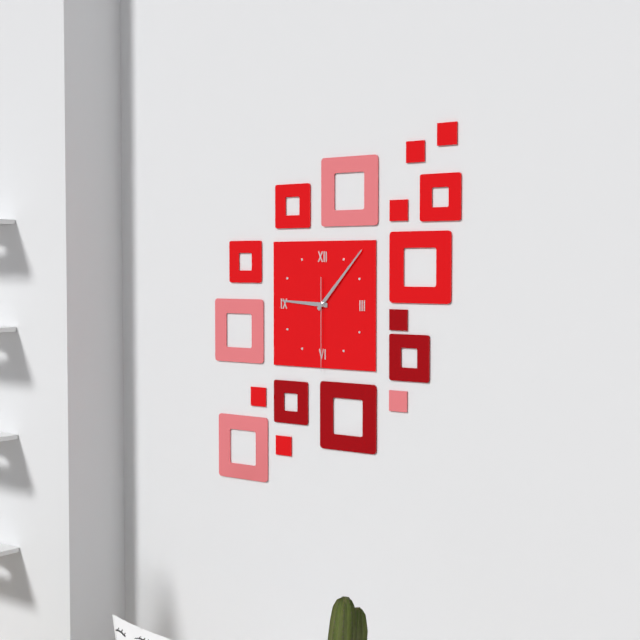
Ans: 9:07:30
